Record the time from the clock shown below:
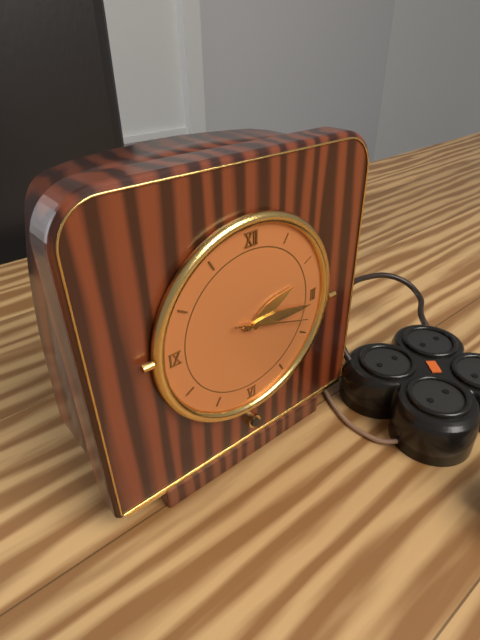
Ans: 2:16:18
